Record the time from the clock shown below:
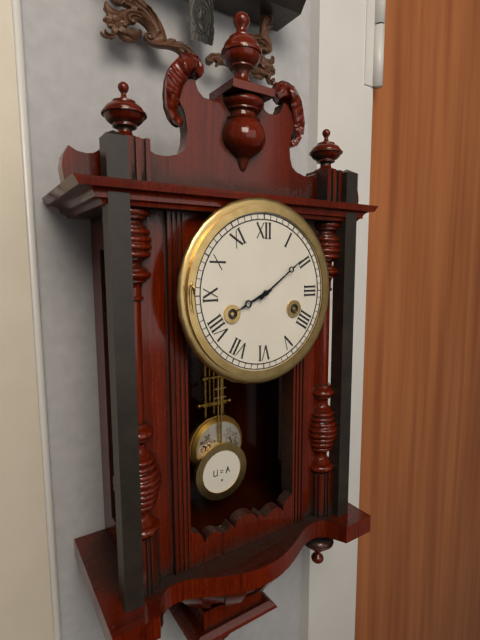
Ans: 8:09
